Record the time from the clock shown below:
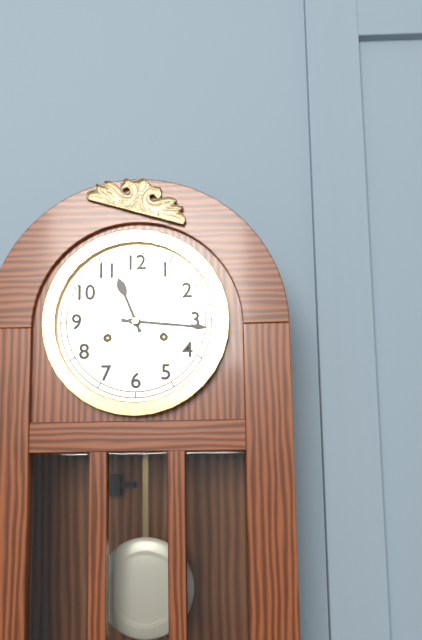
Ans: 11:16
